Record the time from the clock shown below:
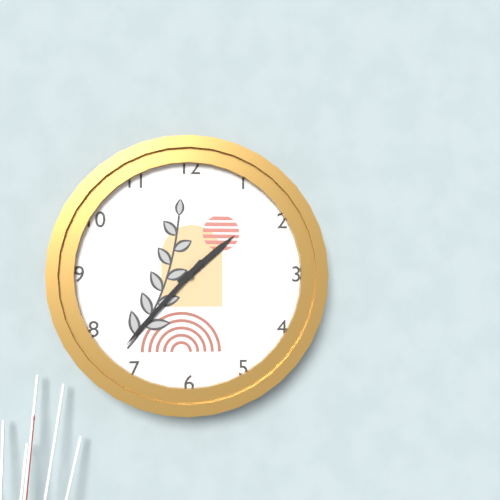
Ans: 1:37
